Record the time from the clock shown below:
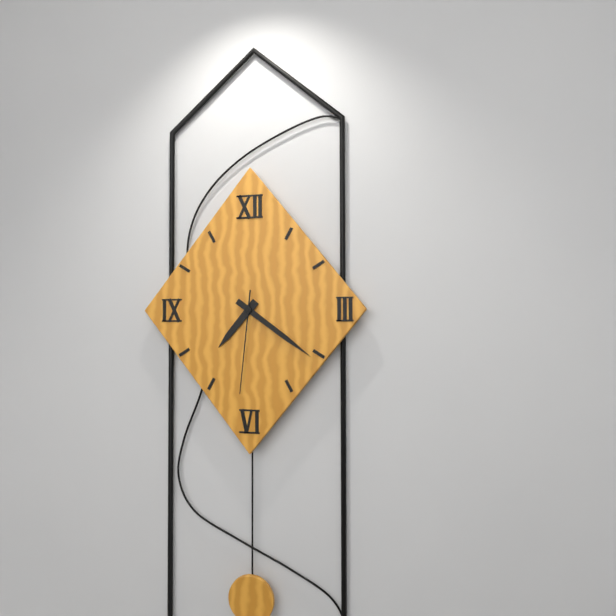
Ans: 7:21:31
